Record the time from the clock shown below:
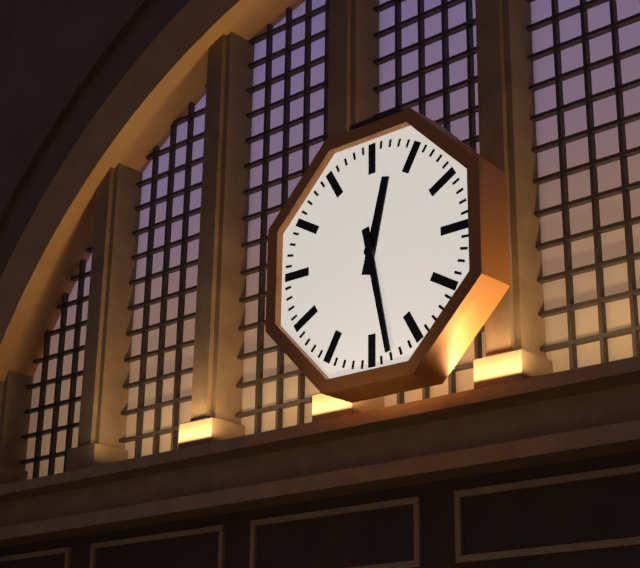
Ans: 12:28
